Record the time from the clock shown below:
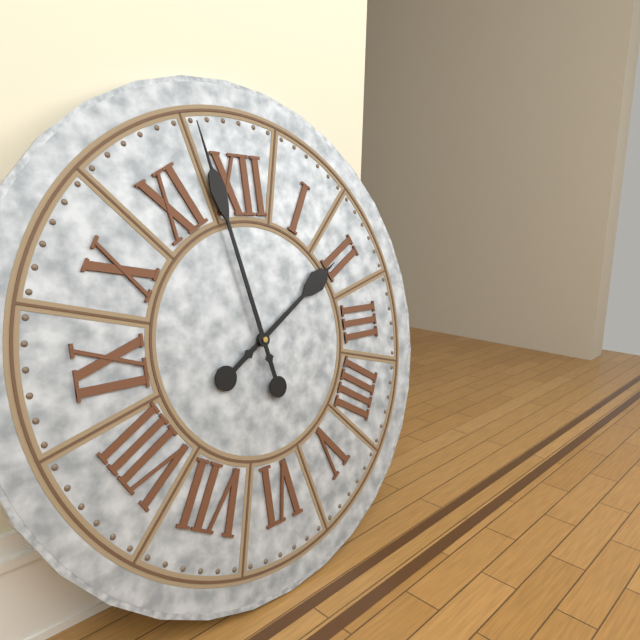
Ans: 1:58
